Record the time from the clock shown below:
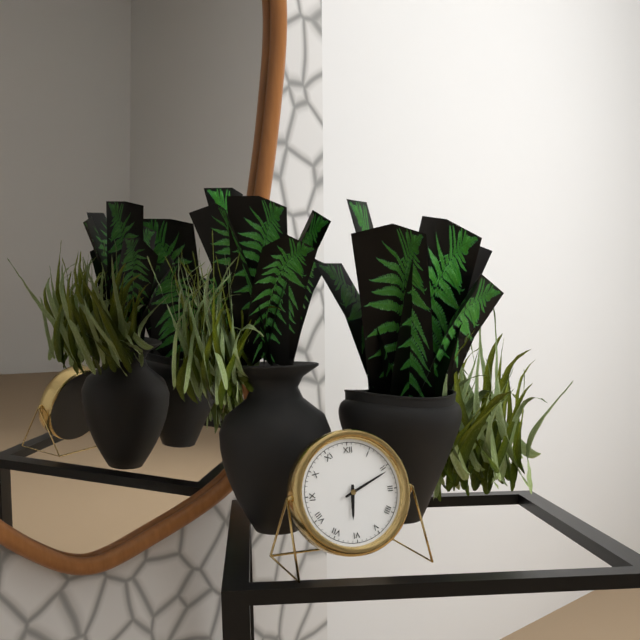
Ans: 6:11
